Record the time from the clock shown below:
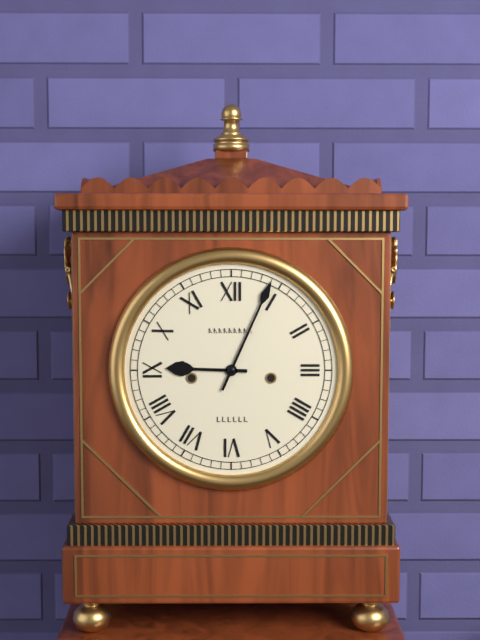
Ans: 9:04
